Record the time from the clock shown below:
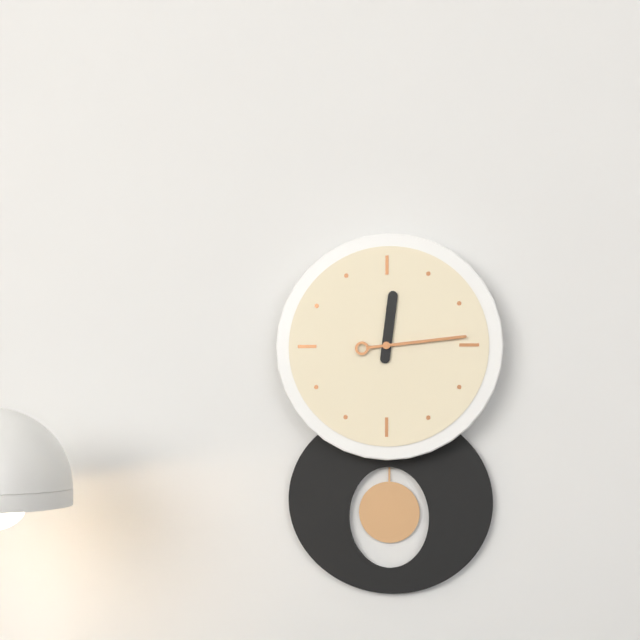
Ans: 12:14
